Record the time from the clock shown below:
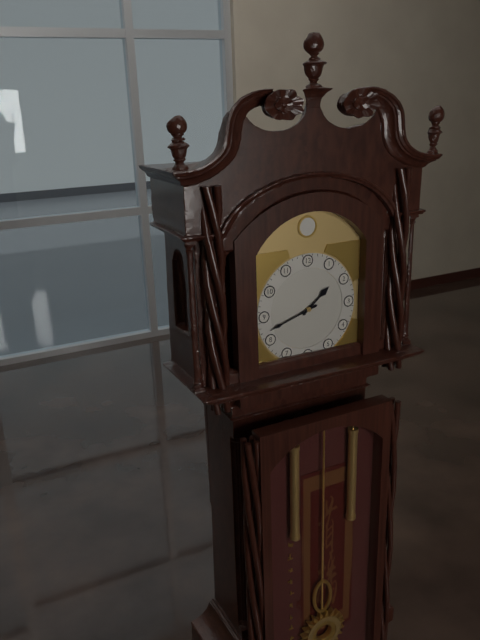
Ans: 1:42
